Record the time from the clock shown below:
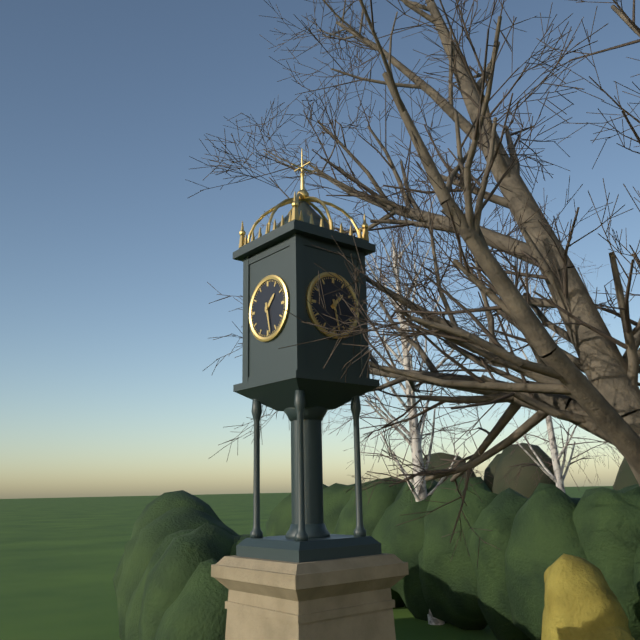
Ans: 1:28
